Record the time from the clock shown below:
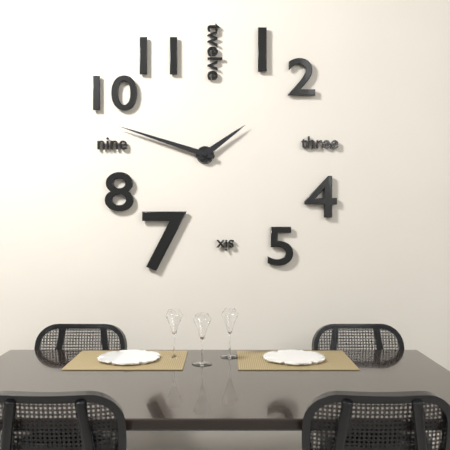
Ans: 1:48
